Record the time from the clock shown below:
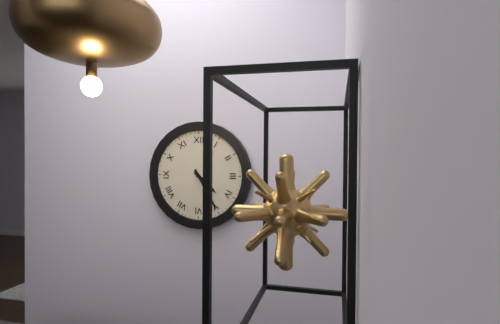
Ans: 4:25
